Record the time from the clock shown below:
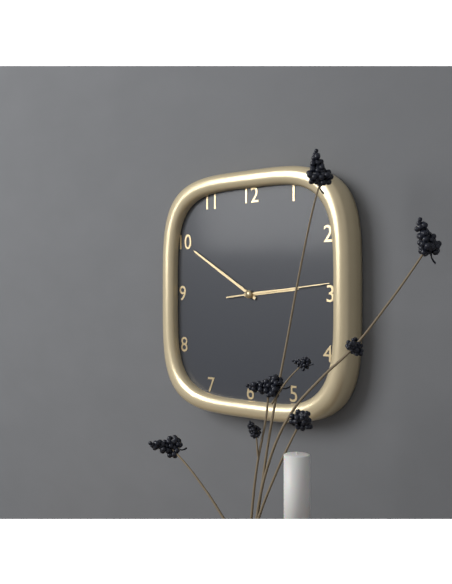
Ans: 2:50:14
